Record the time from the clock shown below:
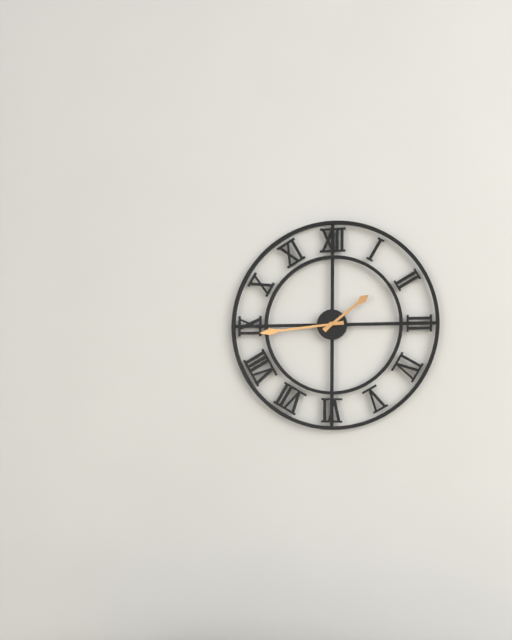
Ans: 1:44
